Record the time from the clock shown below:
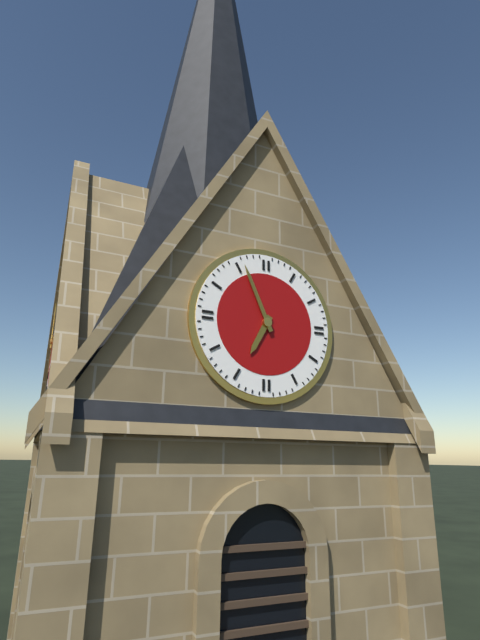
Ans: 6:56
